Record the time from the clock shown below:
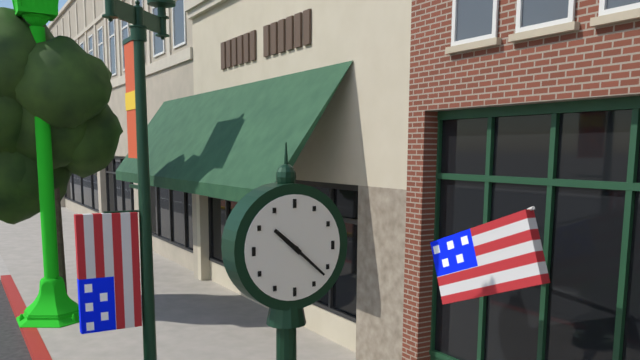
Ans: 10:22
